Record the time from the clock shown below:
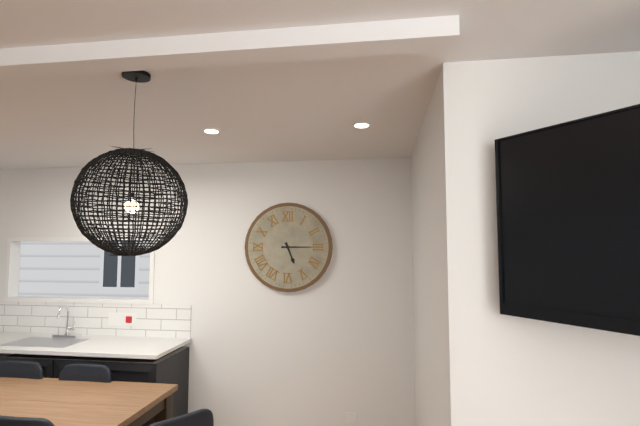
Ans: 5:15
